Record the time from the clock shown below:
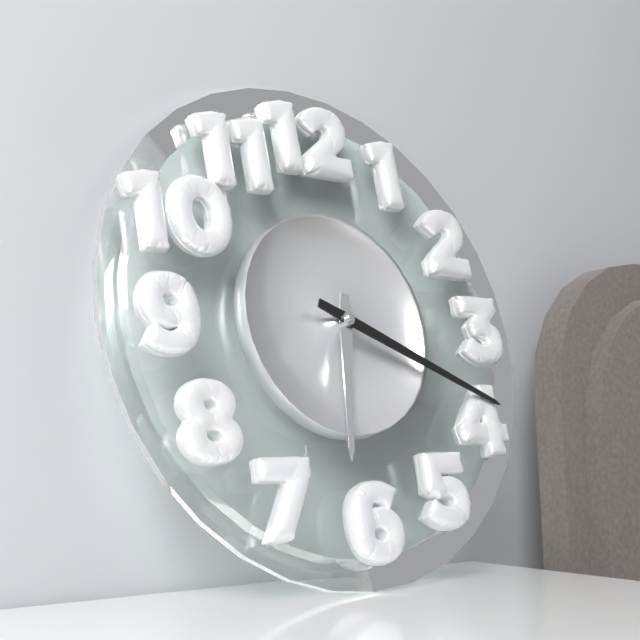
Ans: 6:19
